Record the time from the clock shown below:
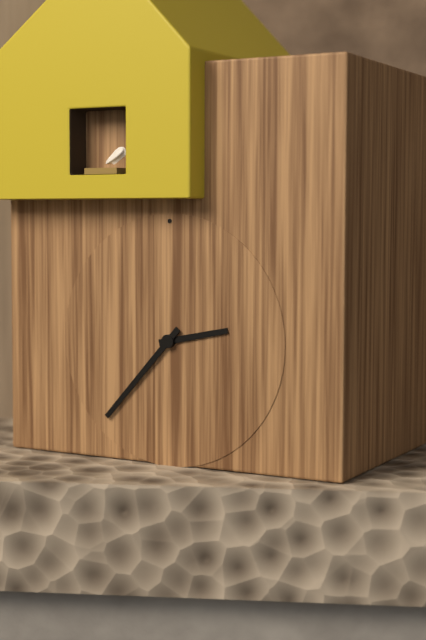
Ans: 2:37
